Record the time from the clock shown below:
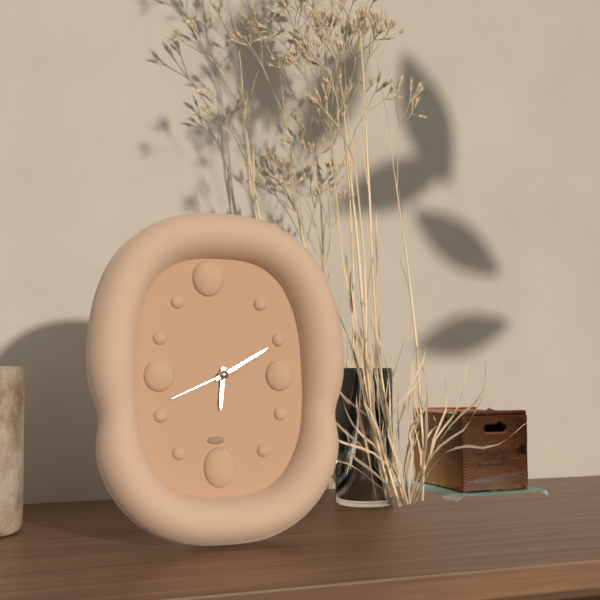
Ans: 6:10:41
